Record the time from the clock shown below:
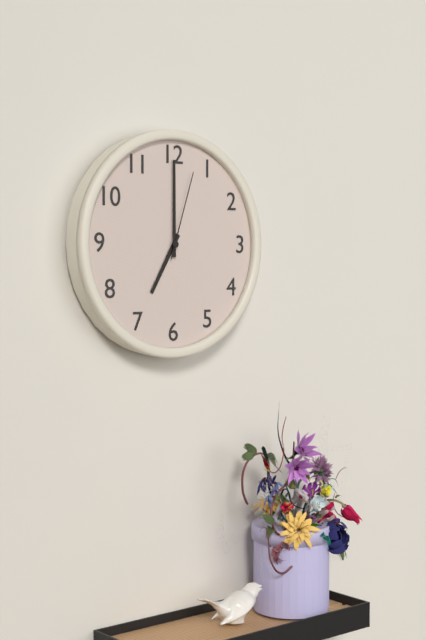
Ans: 7:00:03
